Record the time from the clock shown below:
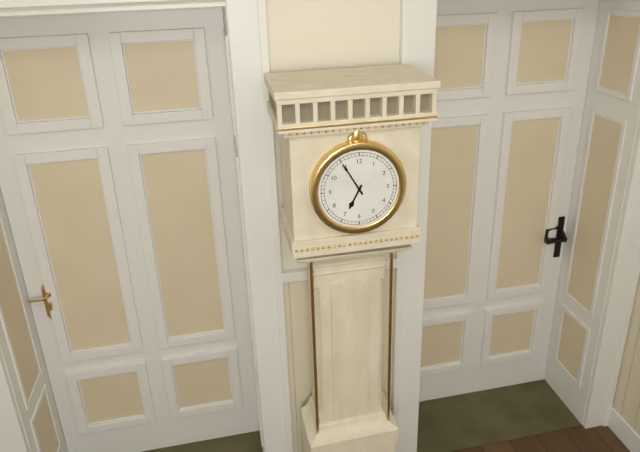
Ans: 6:55
